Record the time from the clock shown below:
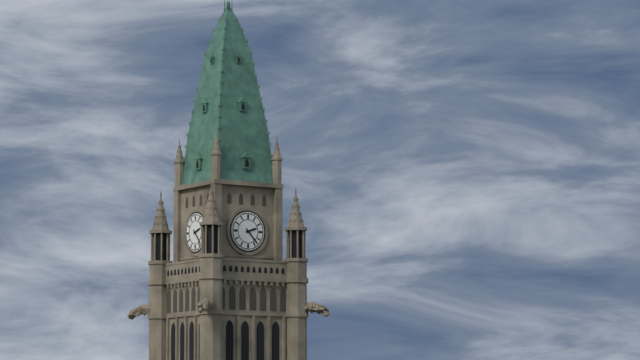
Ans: 2:23
